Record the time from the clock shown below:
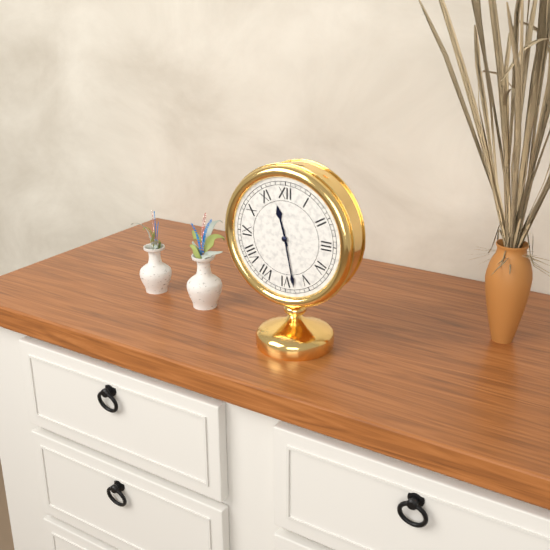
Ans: 11:28
